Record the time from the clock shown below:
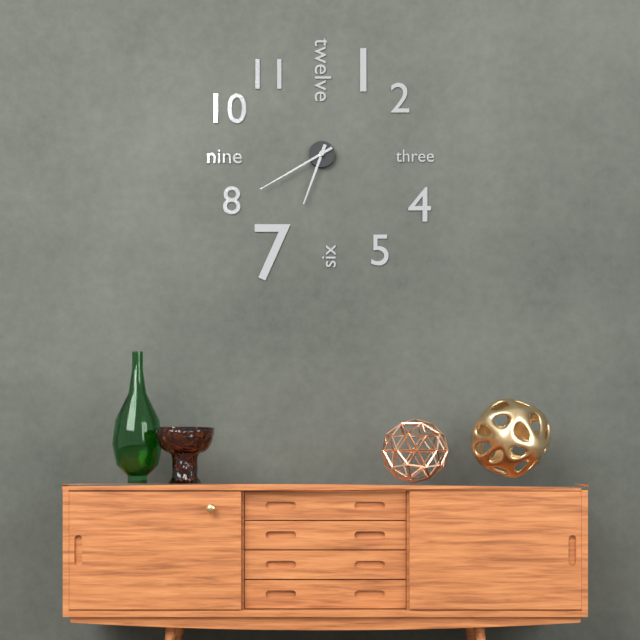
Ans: 6:40
